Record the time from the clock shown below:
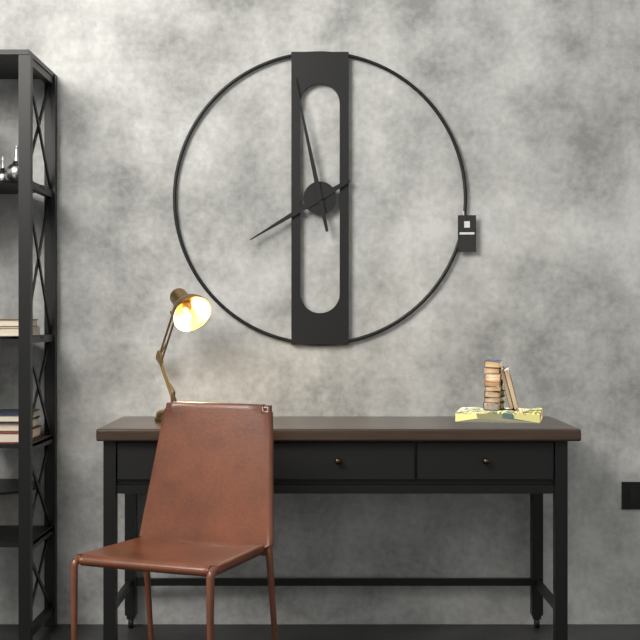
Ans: 7:58
